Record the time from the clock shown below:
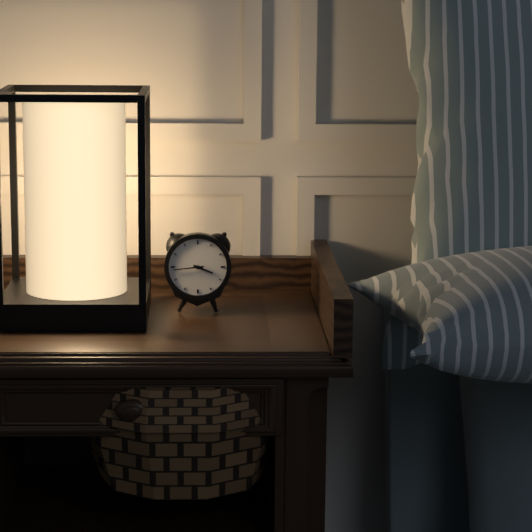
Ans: 3:44
